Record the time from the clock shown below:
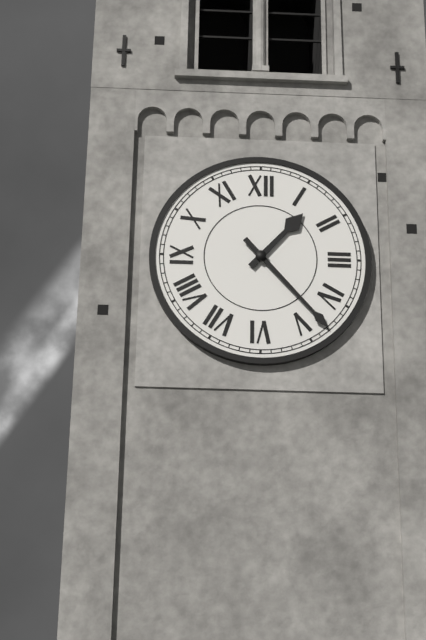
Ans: 1:23
